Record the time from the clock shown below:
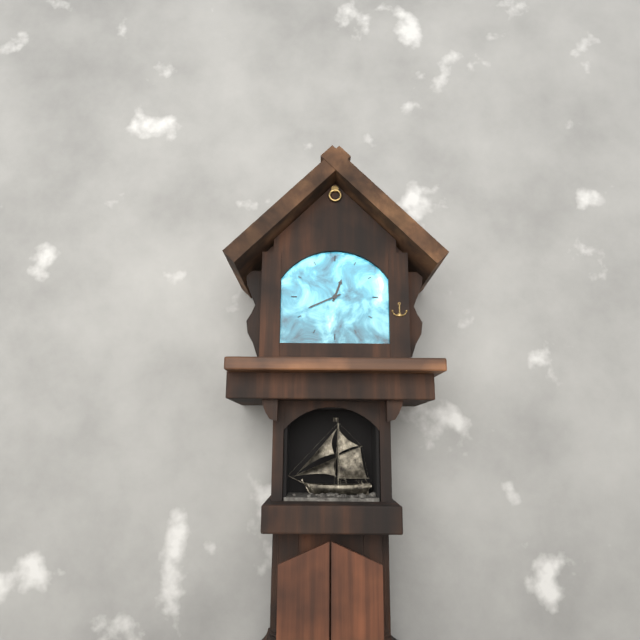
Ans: 12:41
